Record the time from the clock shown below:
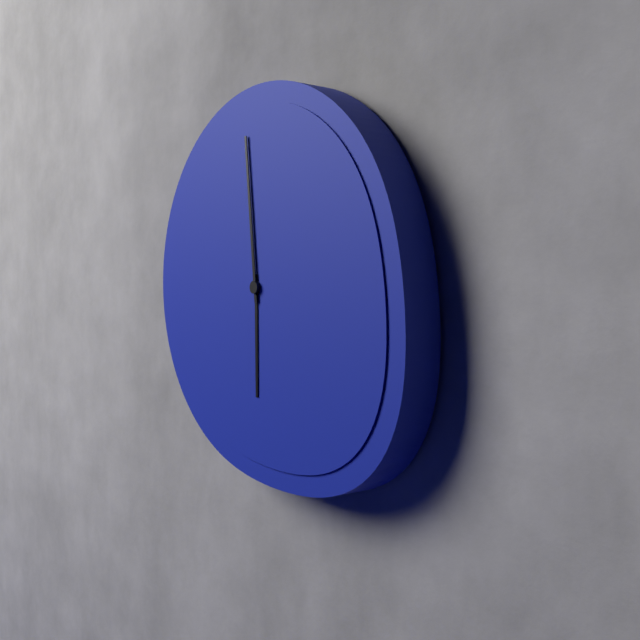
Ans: 5:59
